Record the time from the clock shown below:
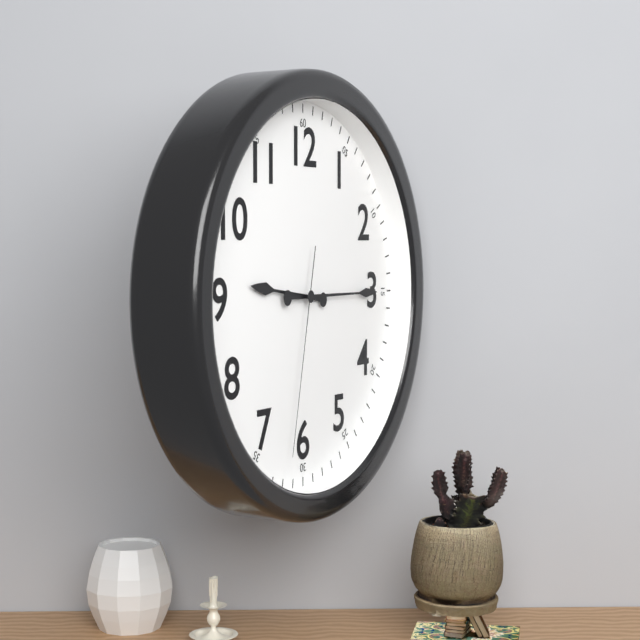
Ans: 9:15:32
